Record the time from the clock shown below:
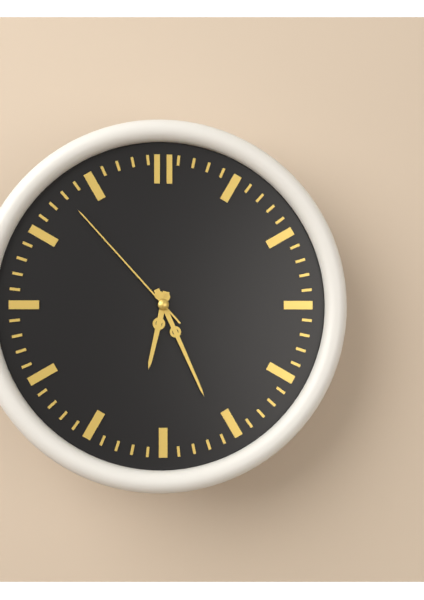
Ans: 6:26:53
